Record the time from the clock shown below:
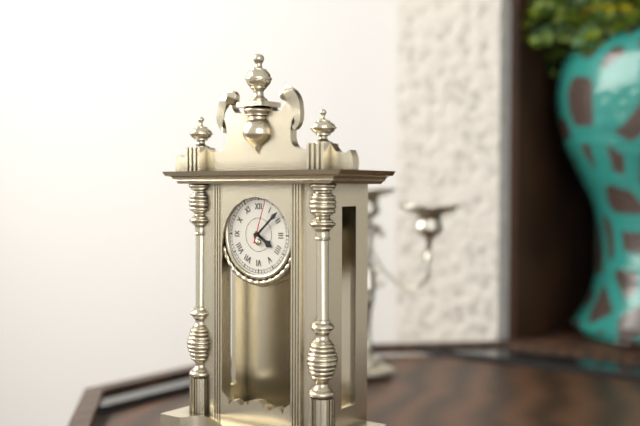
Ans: 4:08
